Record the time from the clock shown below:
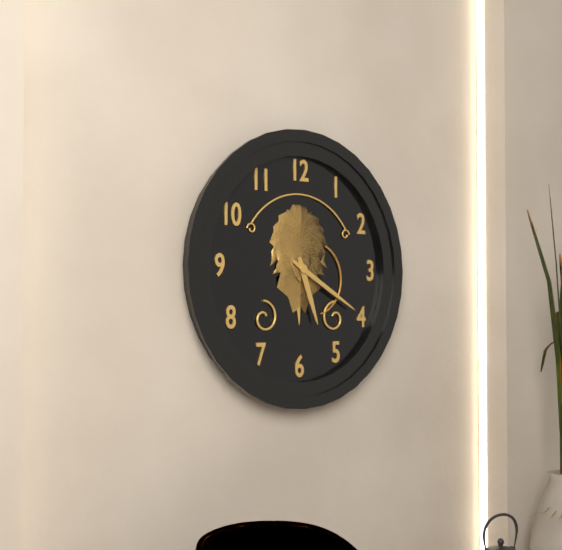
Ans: 5:20
